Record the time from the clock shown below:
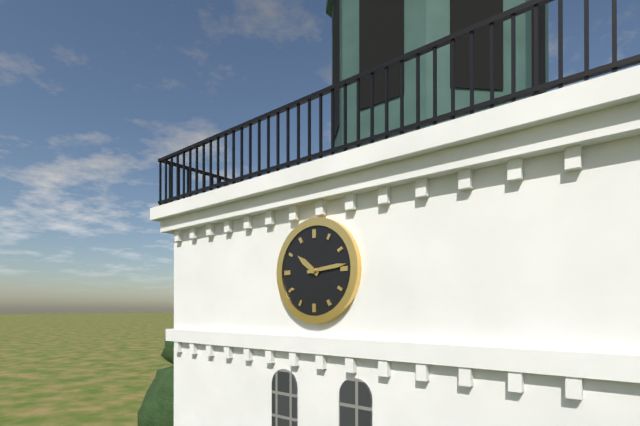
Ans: 10:14
